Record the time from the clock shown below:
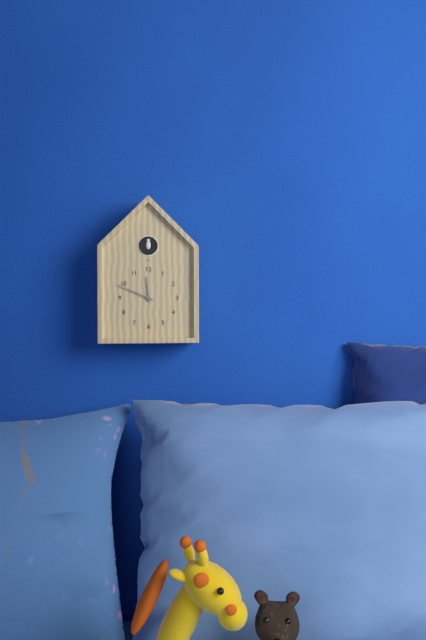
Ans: 11:49
